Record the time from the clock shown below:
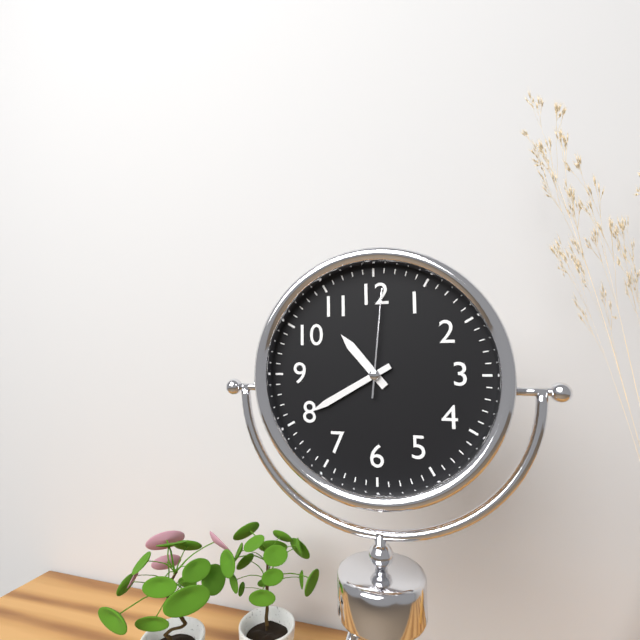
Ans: 10:40:01
